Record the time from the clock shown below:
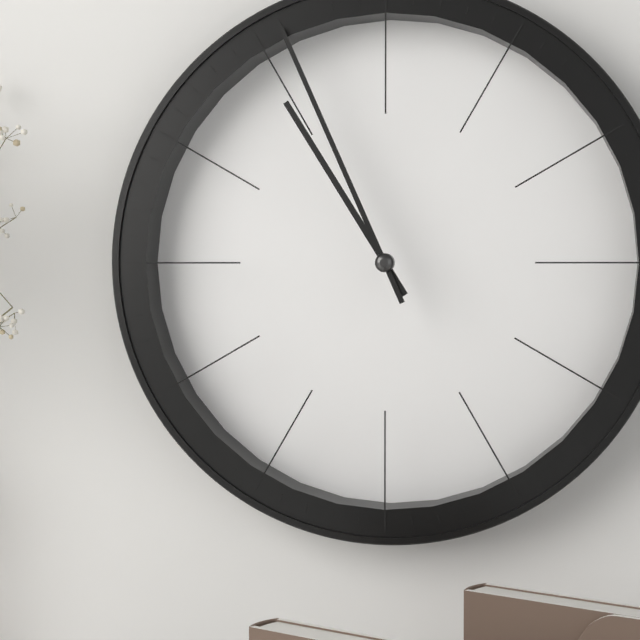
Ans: 10:56
